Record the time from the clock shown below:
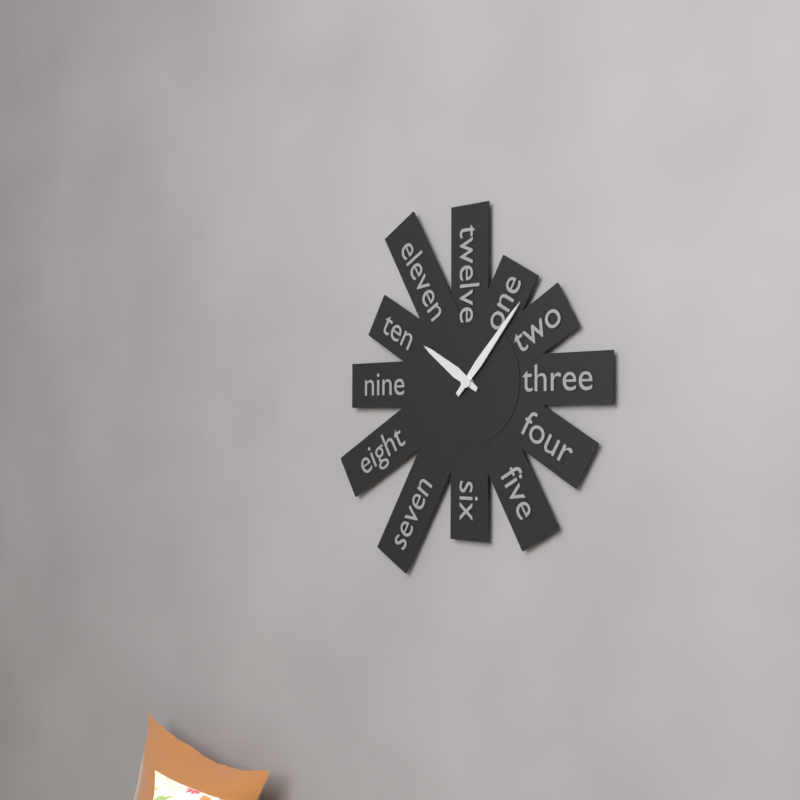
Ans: 10:07
